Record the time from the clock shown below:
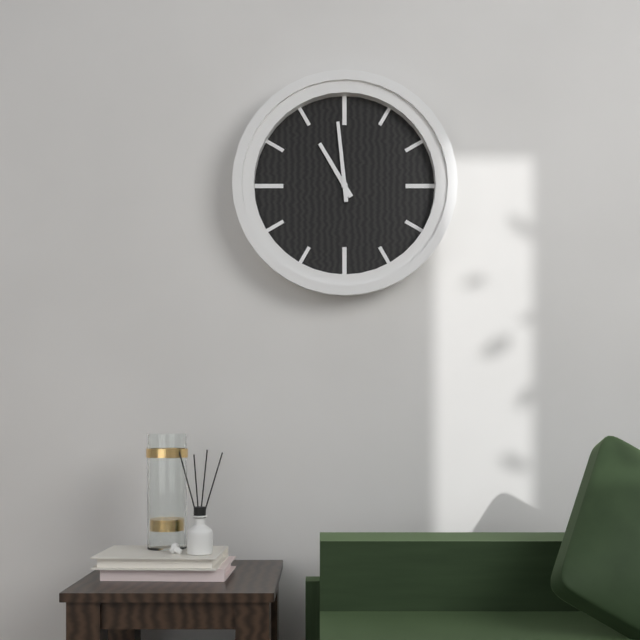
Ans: 10:59
